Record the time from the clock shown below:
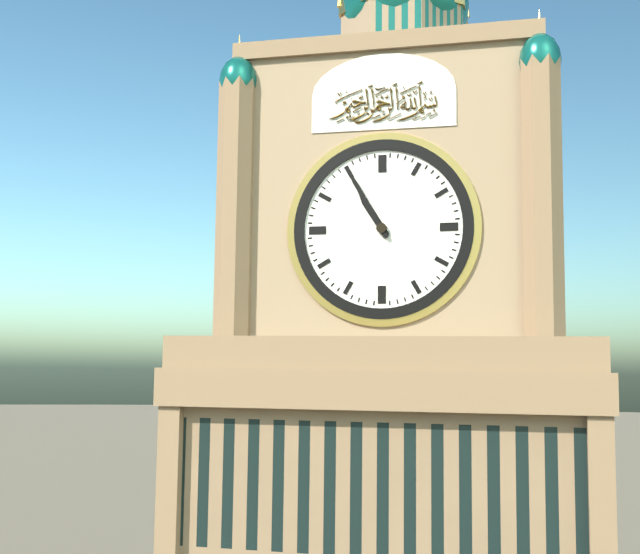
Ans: 10:55
